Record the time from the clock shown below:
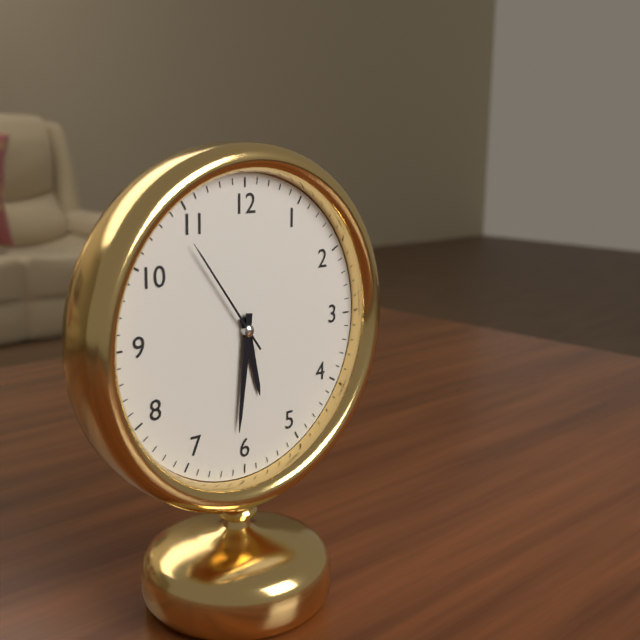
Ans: 5:31:54
